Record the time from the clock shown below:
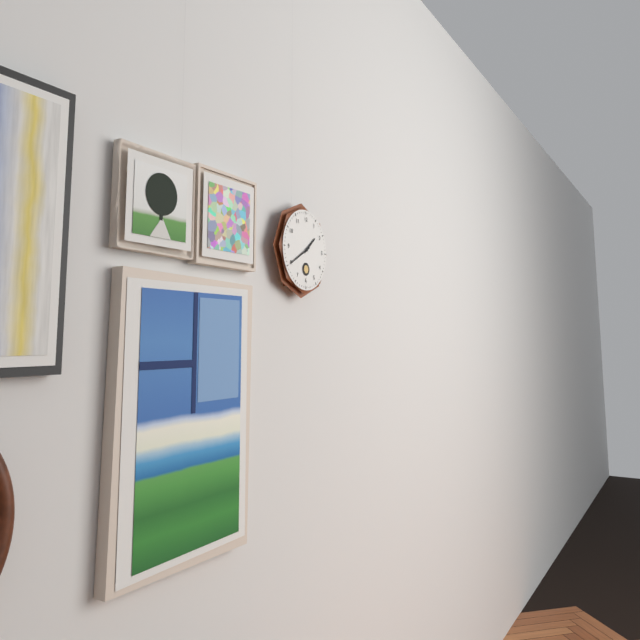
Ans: 1:40
